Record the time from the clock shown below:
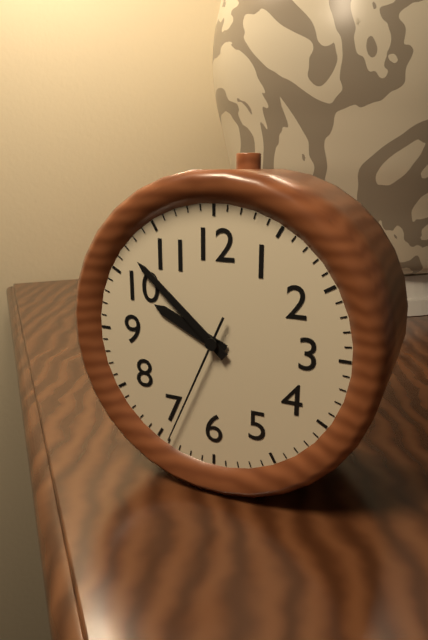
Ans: 9:52:34
